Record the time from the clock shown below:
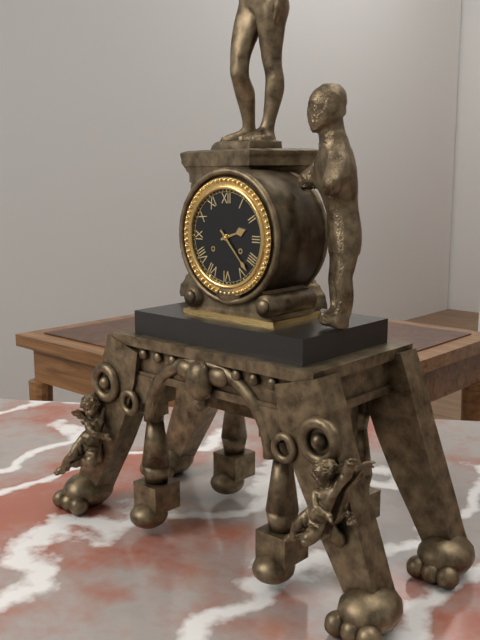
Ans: 2:23
